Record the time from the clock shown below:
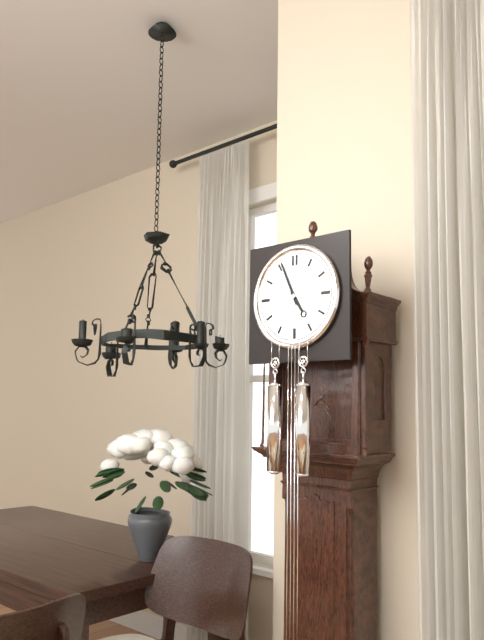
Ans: 4:56
